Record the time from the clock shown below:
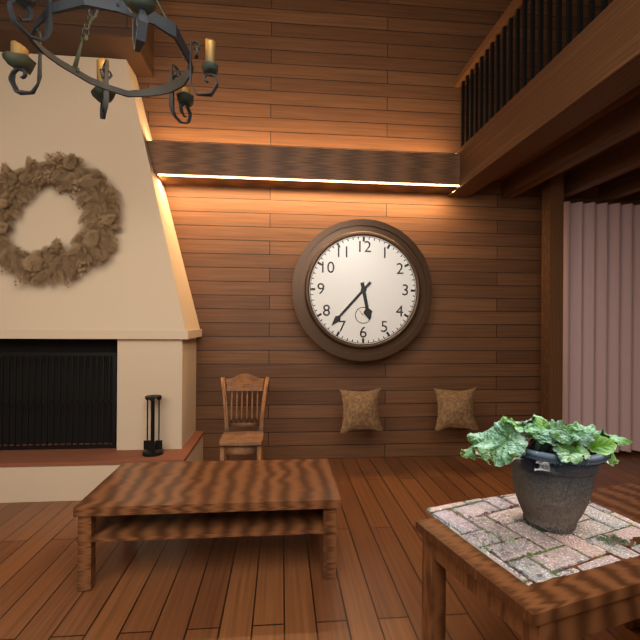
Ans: 5:37
